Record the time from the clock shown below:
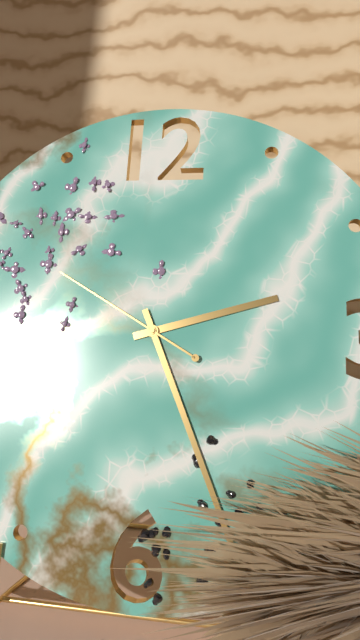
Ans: 2:26:50
